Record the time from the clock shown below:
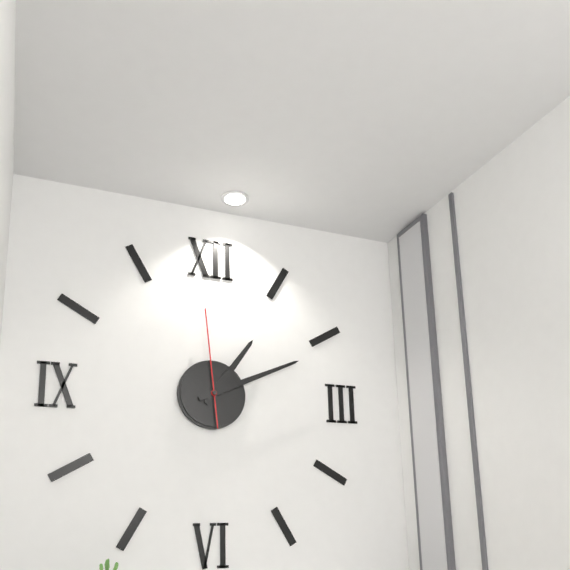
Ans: 1:11:59
